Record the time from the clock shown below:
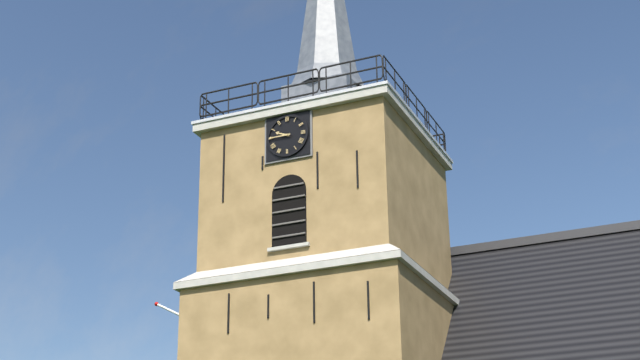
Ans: 9:45
